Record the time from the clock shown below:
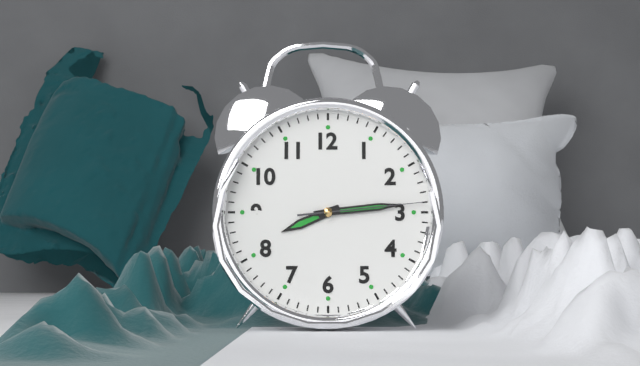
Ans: 8:14:14
